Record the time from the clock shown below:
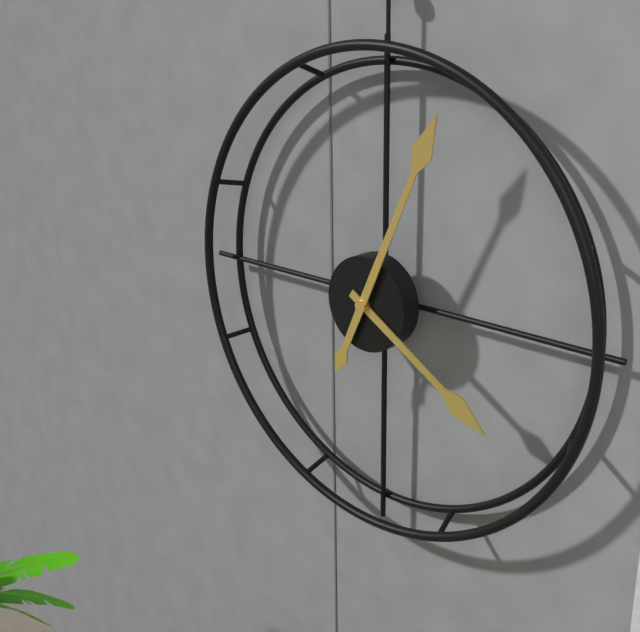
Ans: 4:04
